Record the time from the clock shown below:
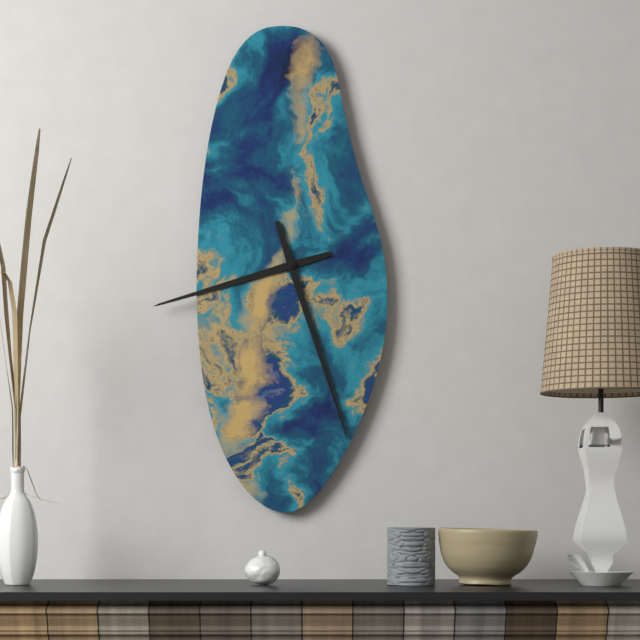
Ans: 8:27
